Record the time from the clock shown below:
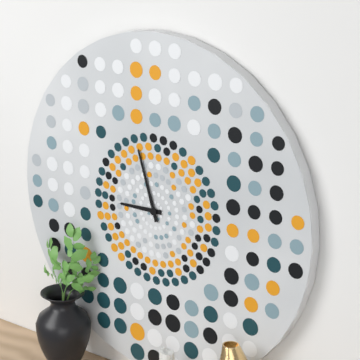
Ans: 8:57
